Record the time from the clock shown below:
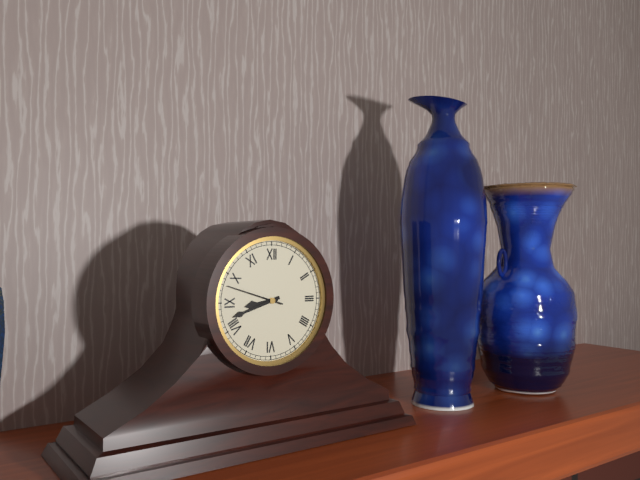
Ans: 8:42:48
